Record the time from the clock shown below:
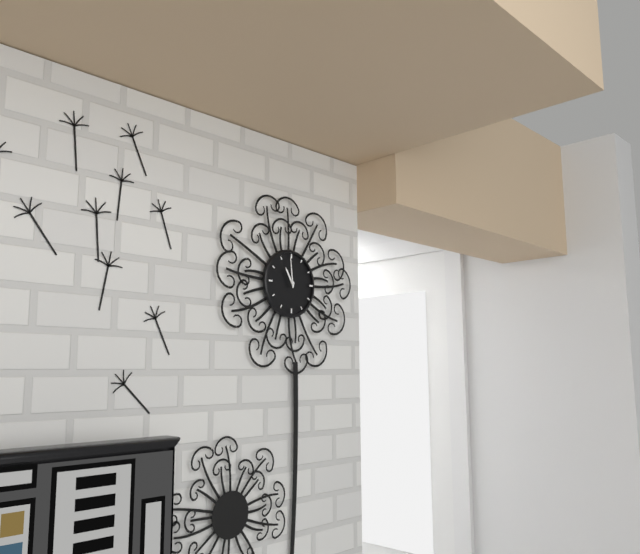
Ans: 10:59
